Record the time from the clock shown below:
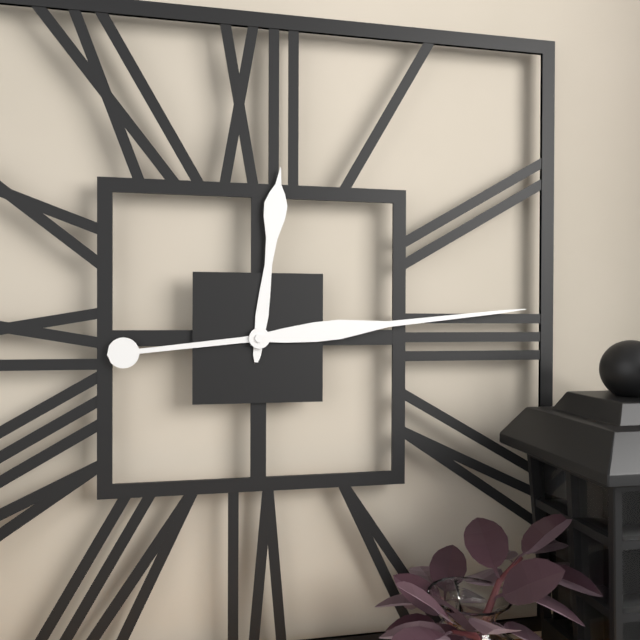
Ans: 12:14
